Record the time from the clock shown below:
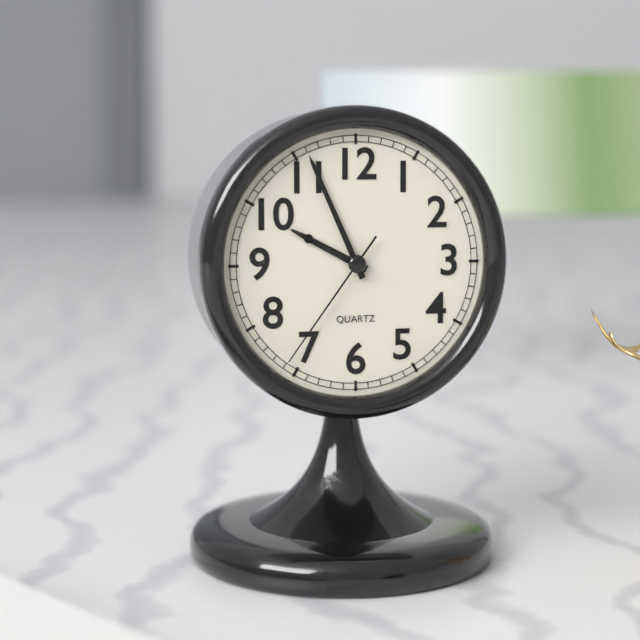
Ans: 9:56:36
